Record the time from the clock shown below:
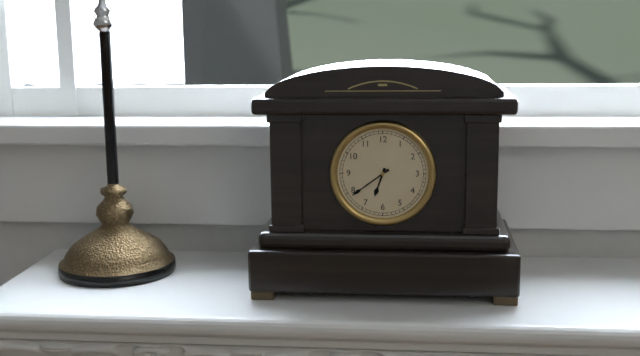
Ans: 6:39
